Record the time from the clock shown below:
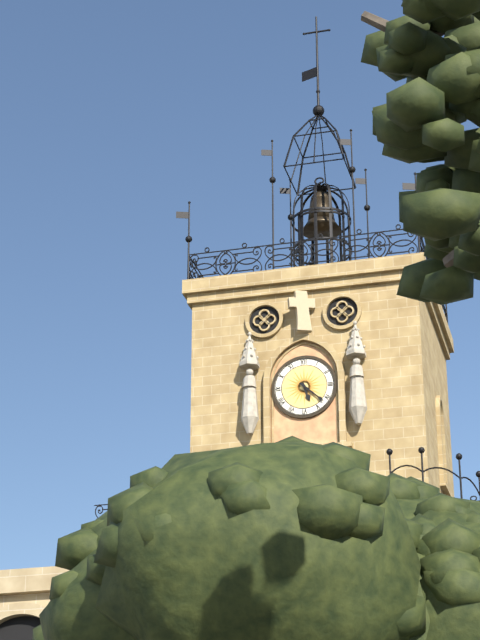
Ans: 5:22
